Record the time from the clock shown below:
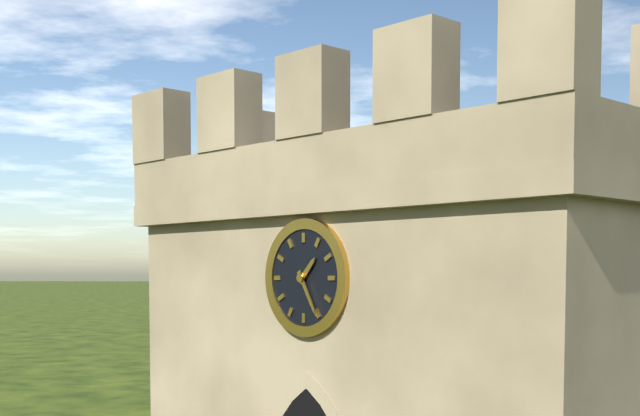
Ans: 1:25
